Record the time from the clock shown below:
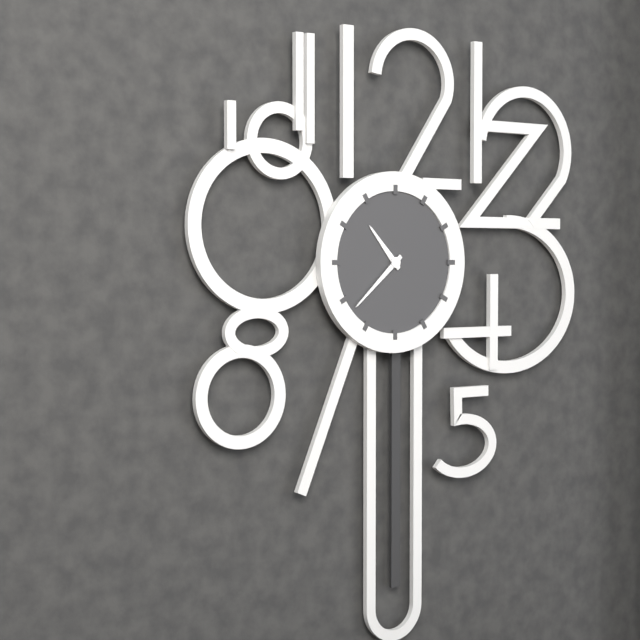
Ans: 10:38
